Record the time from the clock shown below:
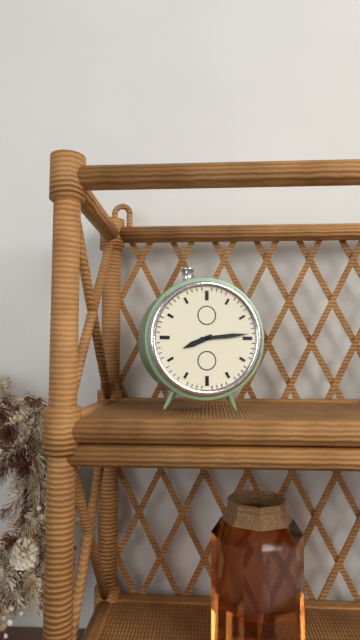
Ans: 8:14
